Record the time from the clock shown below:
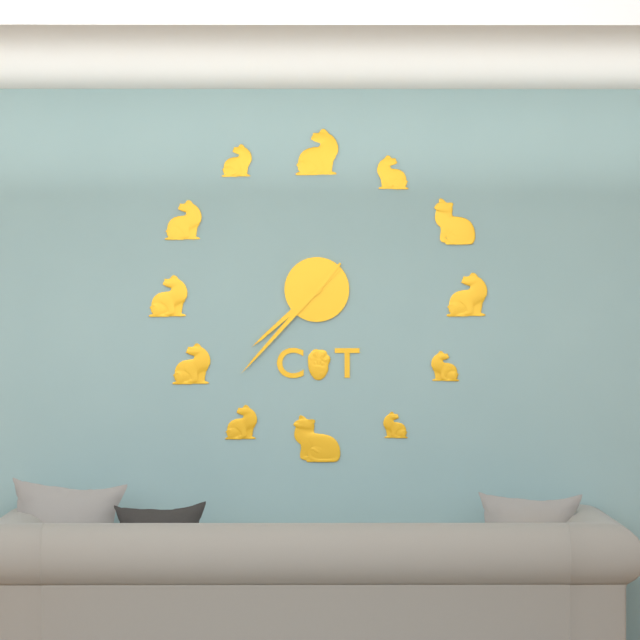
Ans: 7:37
